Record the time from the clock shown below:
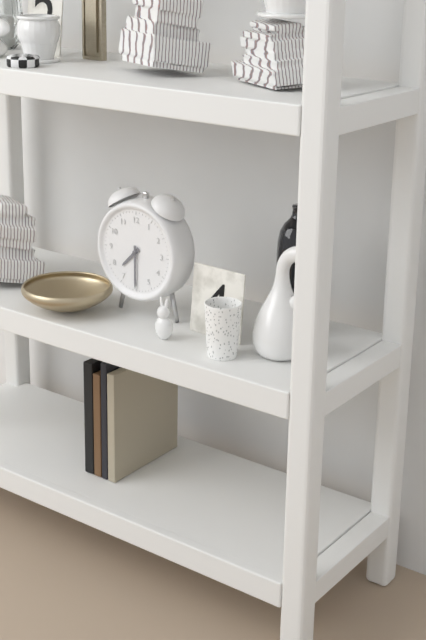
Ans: 7:30
